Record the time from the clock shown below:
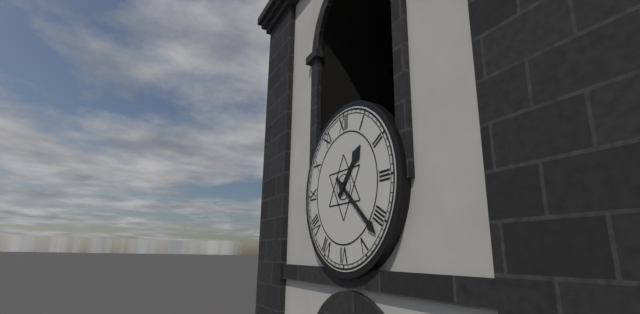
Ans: 1:22
